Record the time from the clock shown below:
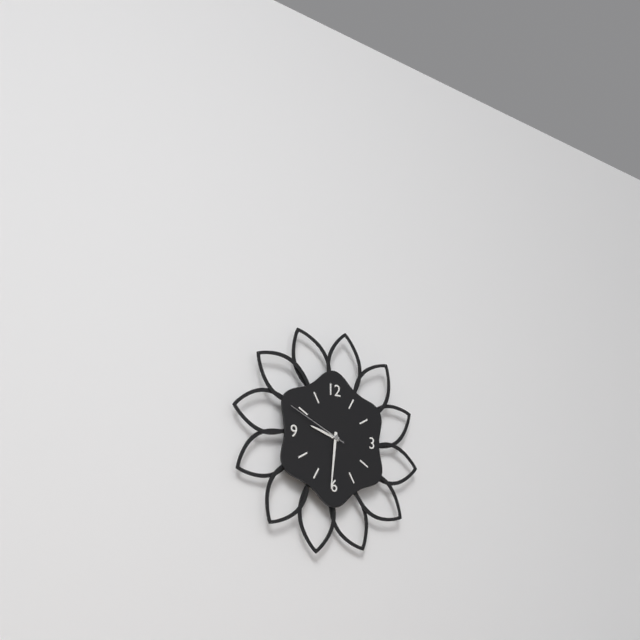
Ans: 9:31:49
